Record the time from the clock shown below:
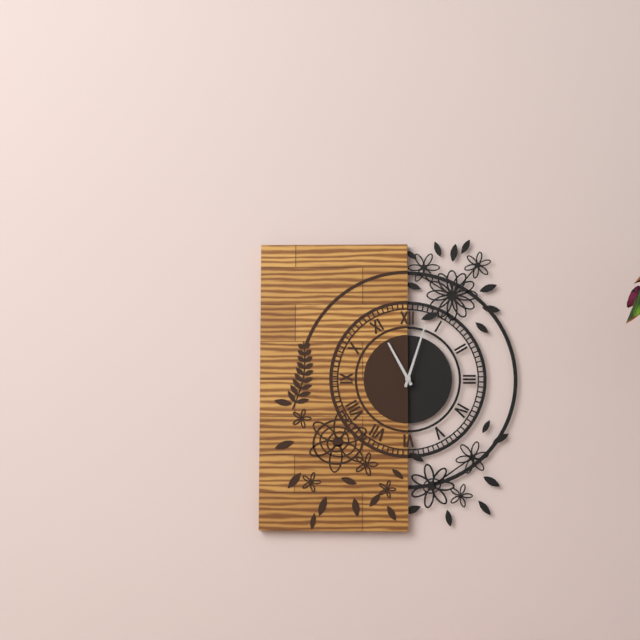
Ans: 11:03
